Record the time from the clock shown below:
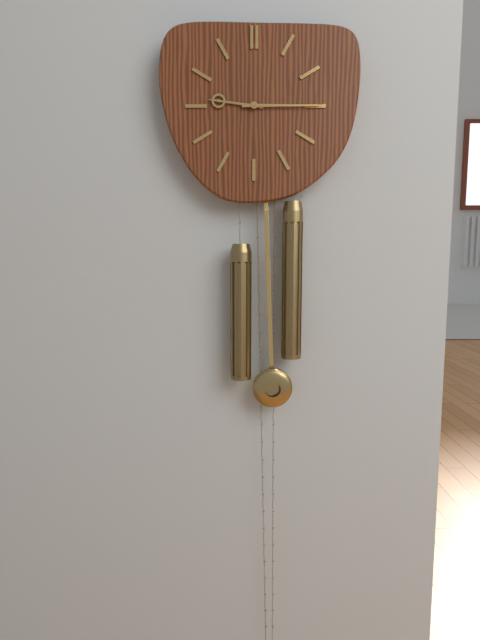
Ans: 9:15
